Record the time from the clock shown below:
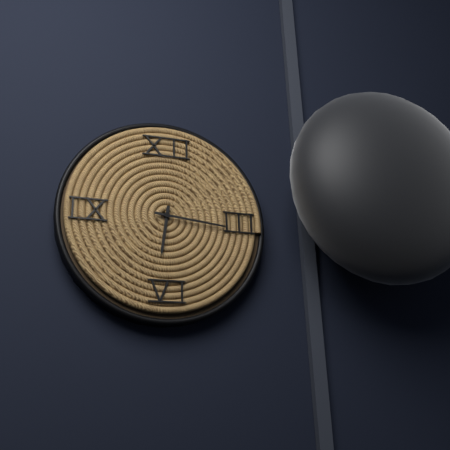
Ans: 6:16
